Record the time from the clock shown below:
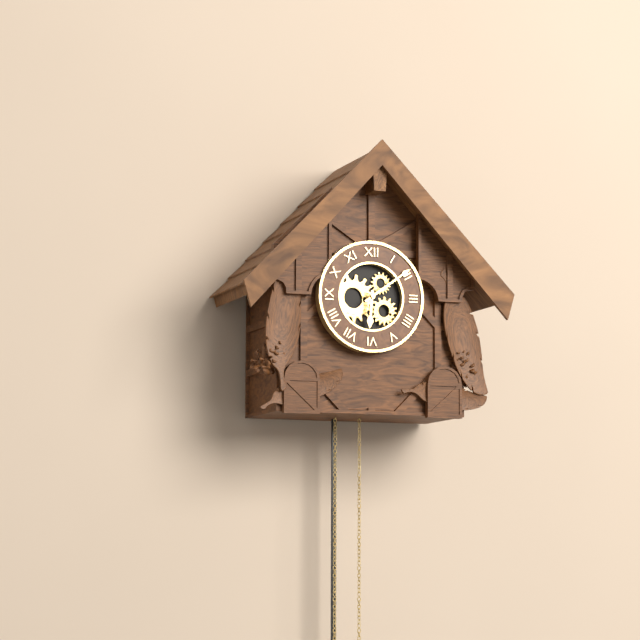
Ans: 6:09
